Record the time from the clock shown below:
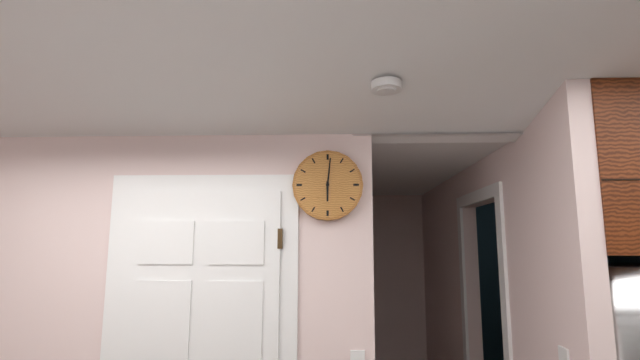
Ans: 6:01
